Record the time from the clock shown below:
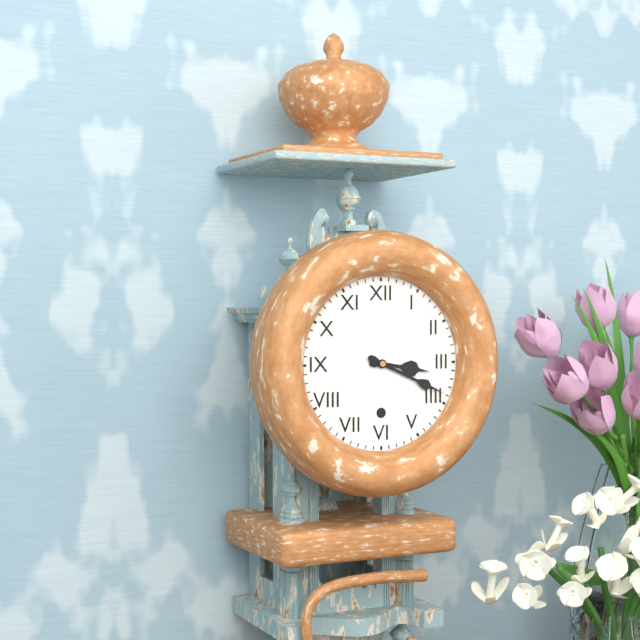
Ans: 3:19
